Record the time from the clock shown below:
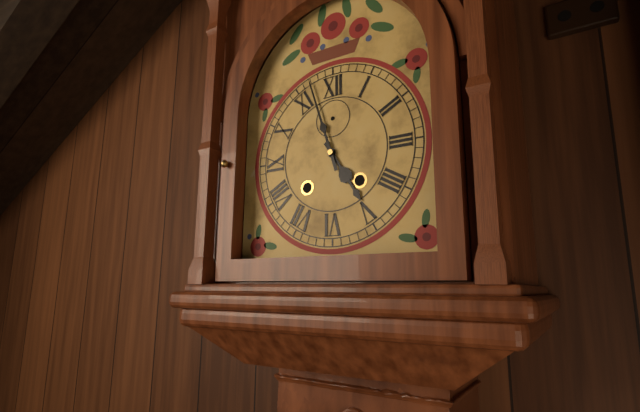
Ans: 4:57
